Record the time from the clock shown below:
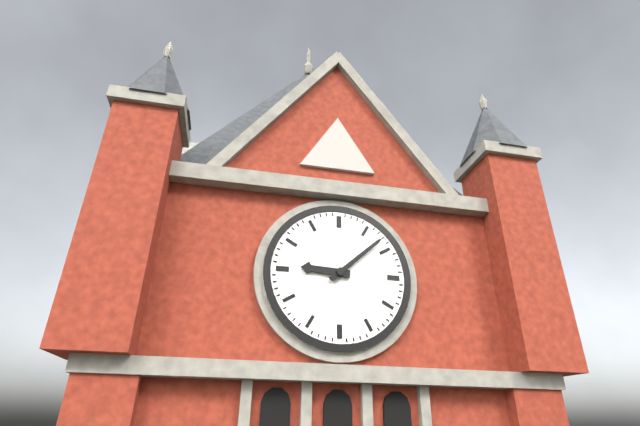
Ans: 9:08
